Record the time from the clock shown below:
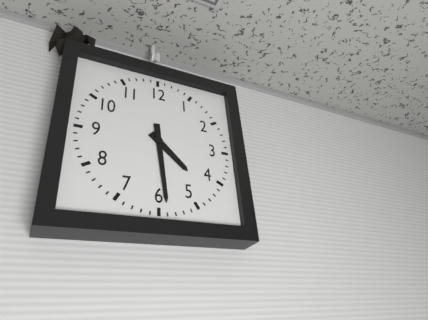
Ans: 4:29
